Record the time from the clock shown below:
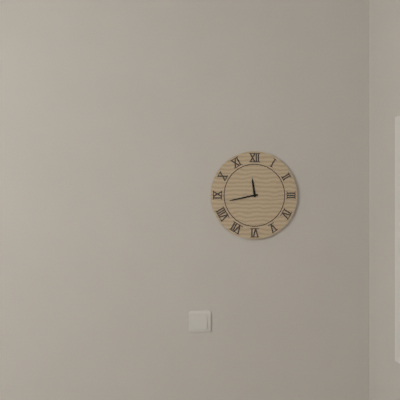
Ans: 11:43
